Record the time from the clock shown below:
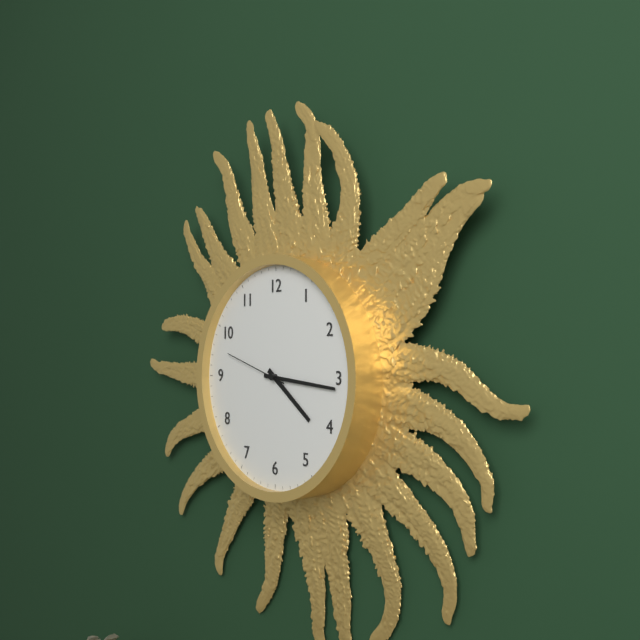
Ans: 4:16:48
